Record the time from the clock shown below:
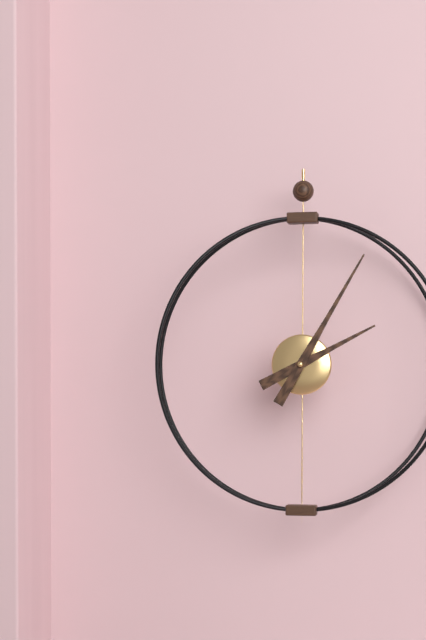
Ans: 2:05
